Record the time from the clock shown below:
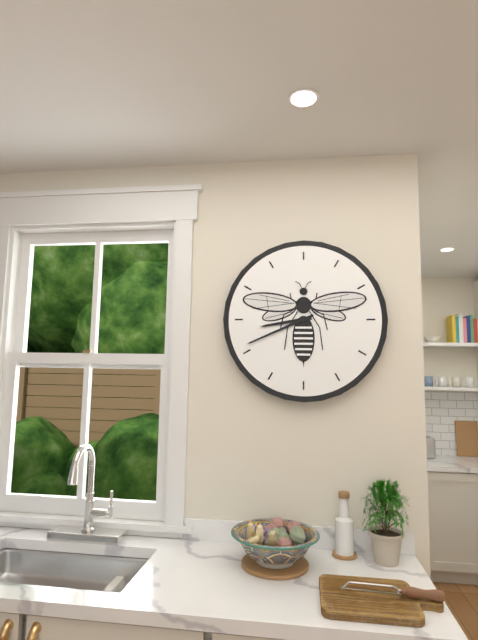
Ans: 8:41
